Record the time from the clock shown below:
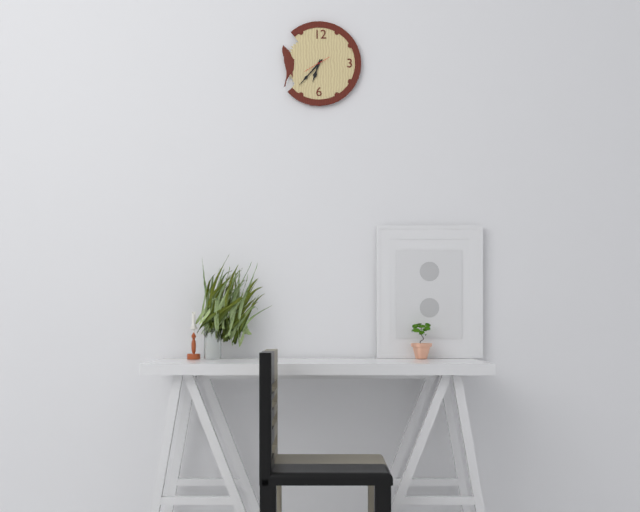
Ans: 6:37
